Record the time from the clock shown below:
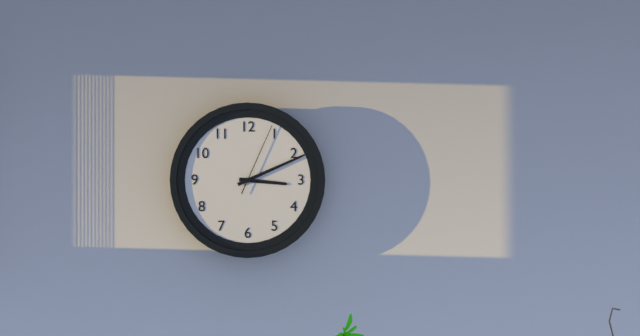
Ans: 3:11:04
